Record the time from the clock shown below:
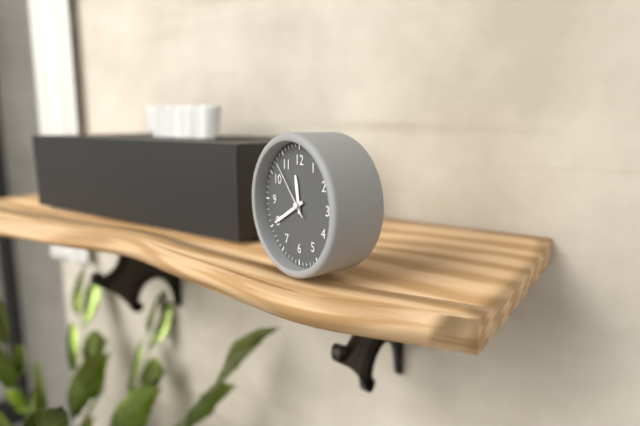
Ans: 11:40:53
